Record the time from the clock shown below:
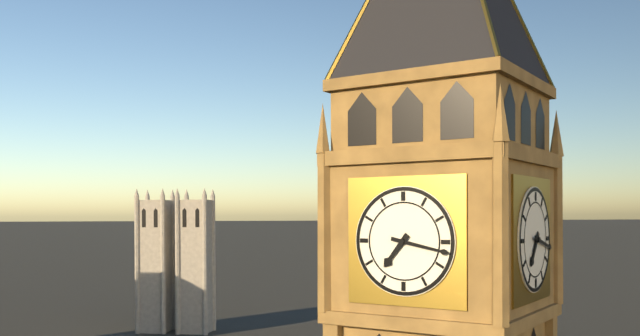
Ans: 7:17
